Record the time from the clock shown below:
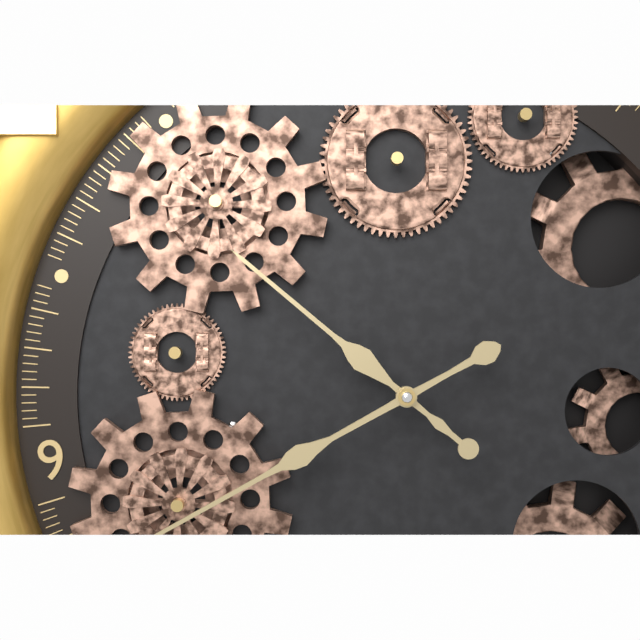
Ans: 10:42
